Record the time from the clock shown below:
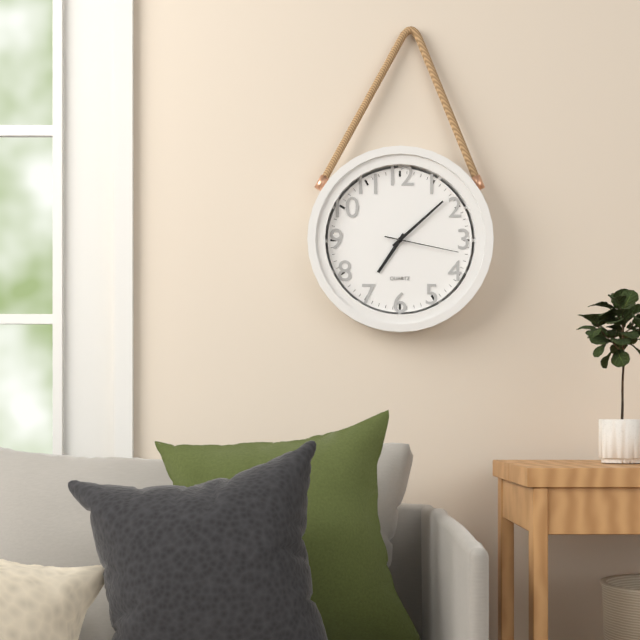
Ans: 7:08:17
